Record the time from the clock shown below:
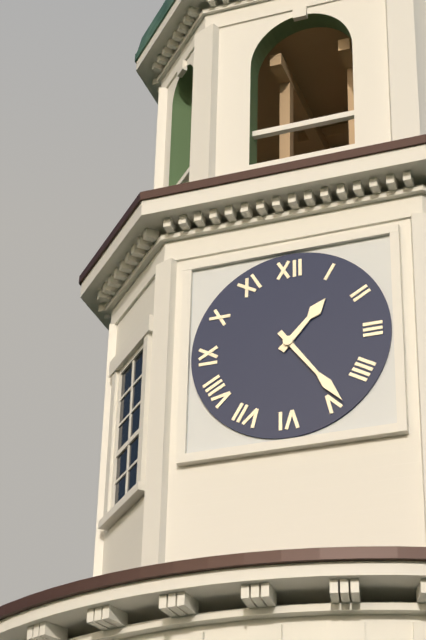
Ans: 1:24
